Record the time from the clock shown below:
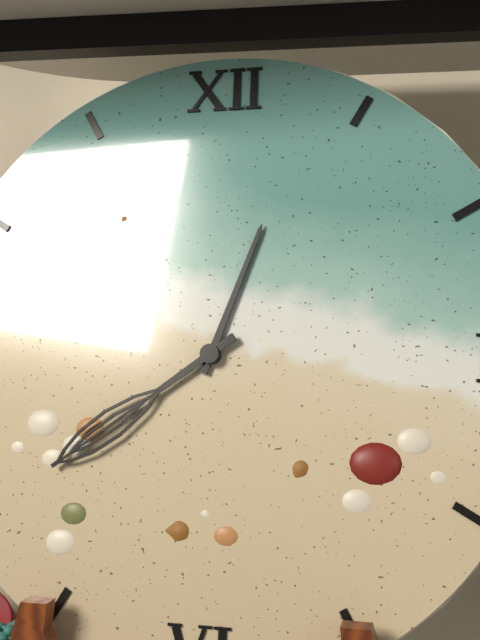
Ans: 12:39
